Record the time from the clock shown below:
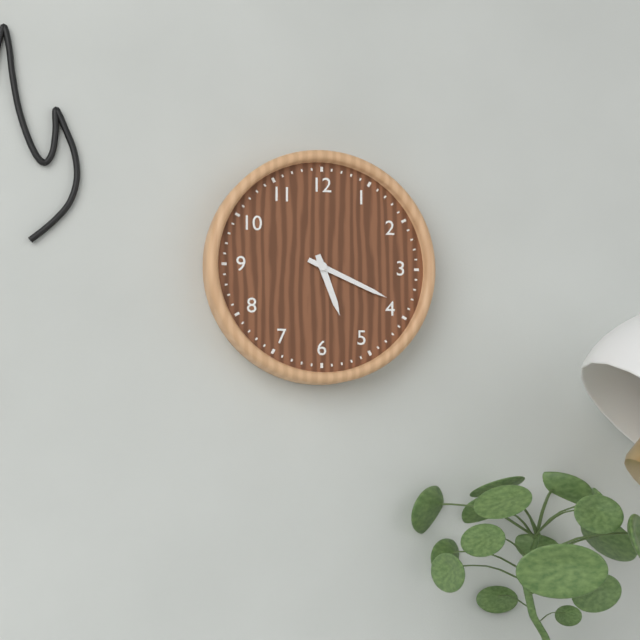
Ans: 5:19
